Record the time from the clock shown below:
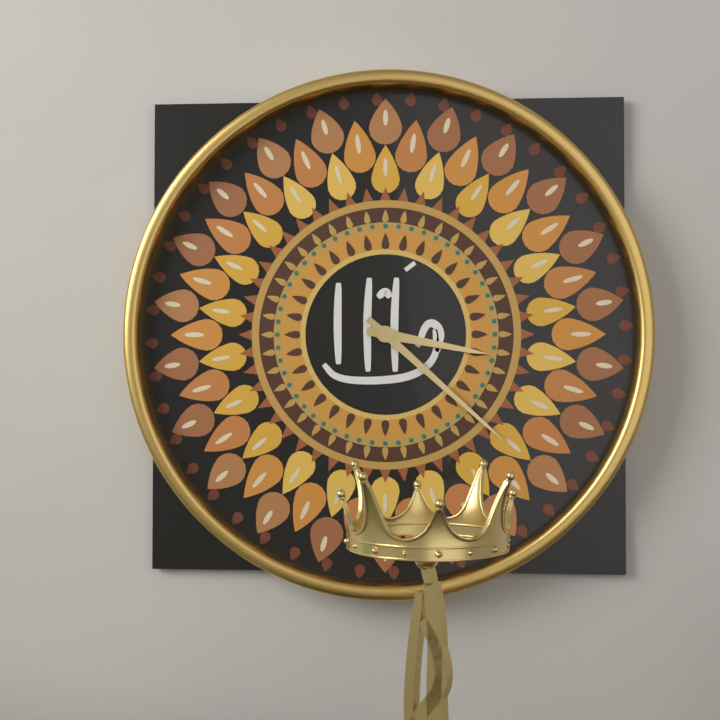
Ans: 3:22
